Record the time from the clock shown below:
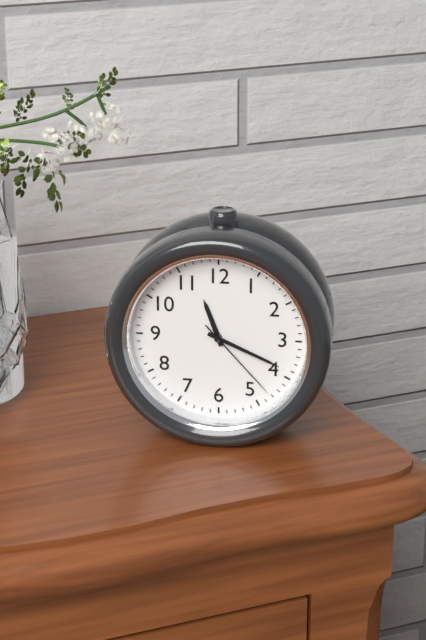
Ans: 11:19:23
